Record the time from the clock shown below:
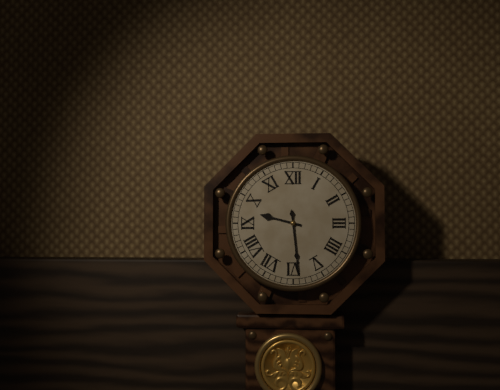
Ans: 9:29
